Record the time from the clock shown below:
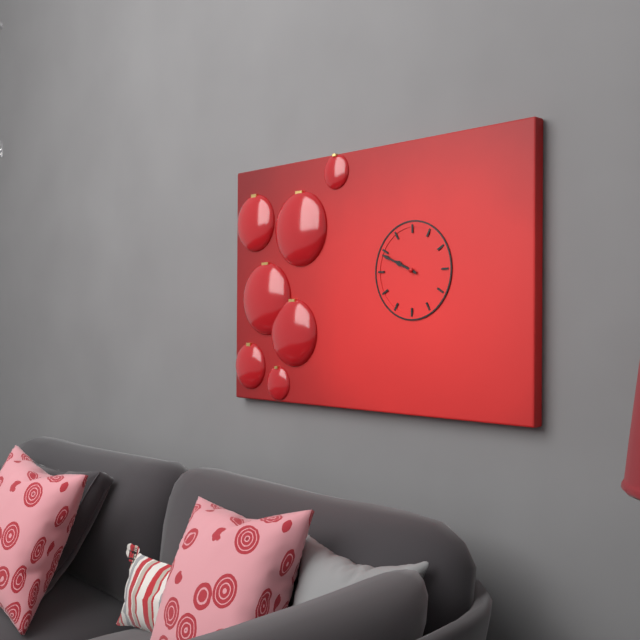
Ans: 9:49
